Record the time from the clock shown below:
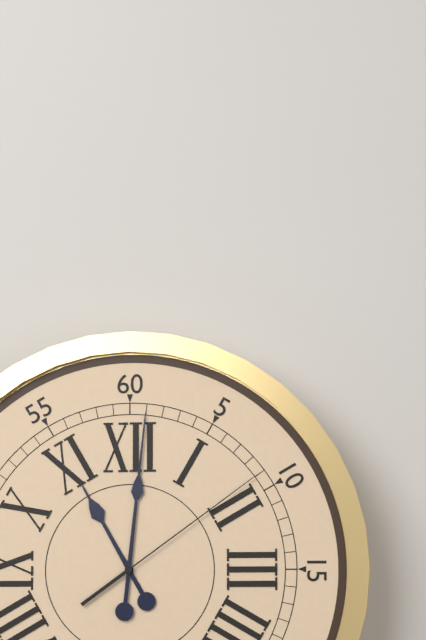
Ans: 11:01:09
